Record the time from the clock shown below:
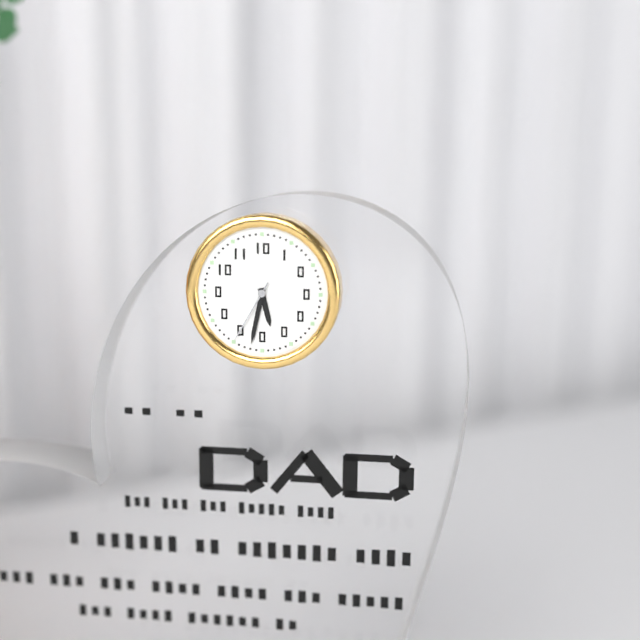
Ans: 5:32:35
